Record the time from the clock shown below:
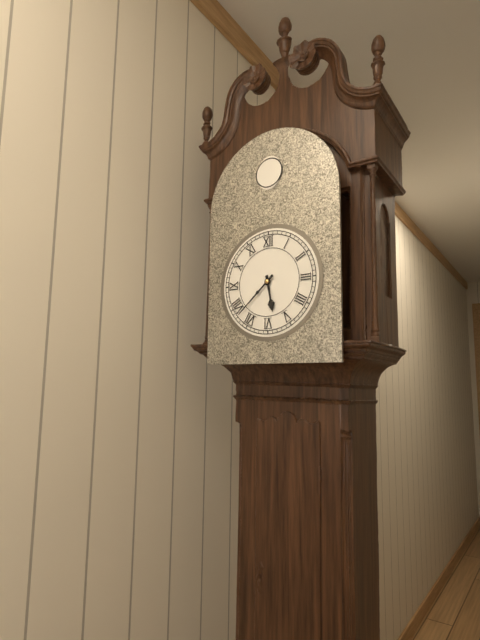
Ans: 5:38
